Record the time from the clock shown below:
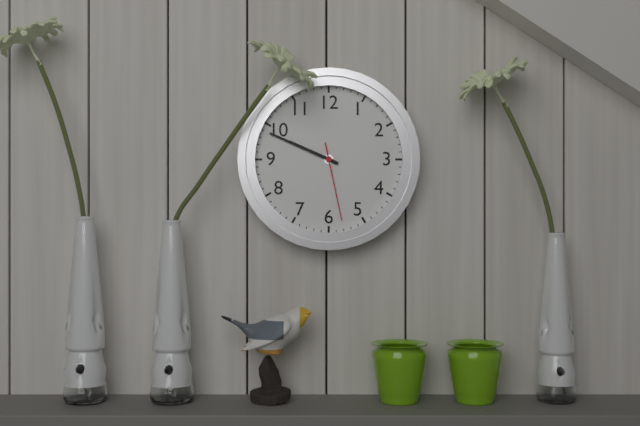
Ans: 9:49:28
